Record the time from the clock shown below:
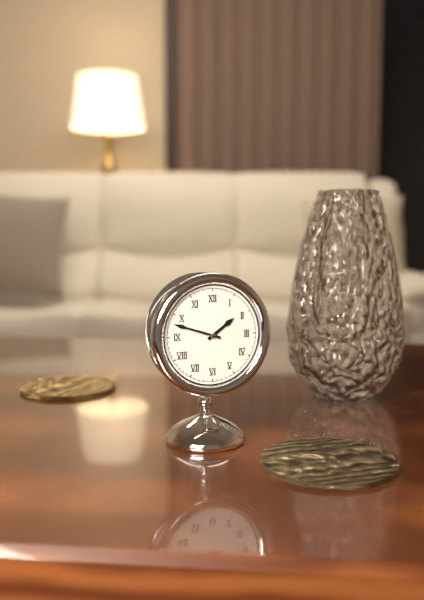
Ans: 1:48
